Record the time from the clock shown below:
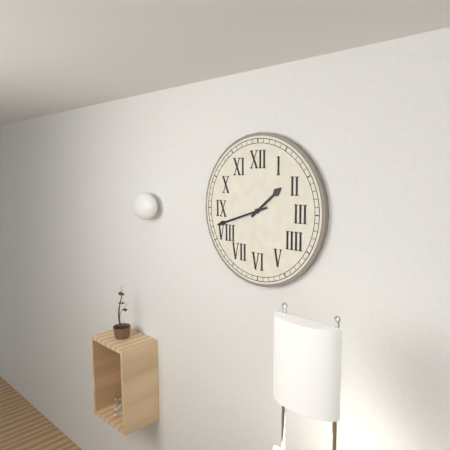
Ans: 1:42
